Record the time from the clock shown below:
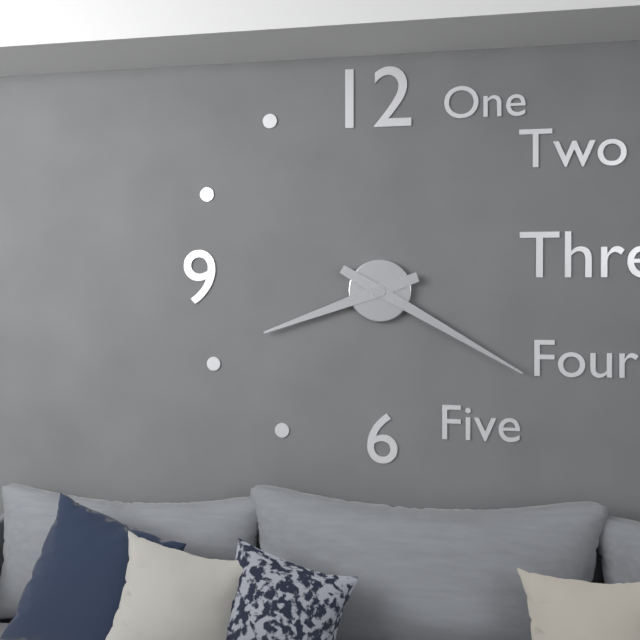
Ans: 8:20
